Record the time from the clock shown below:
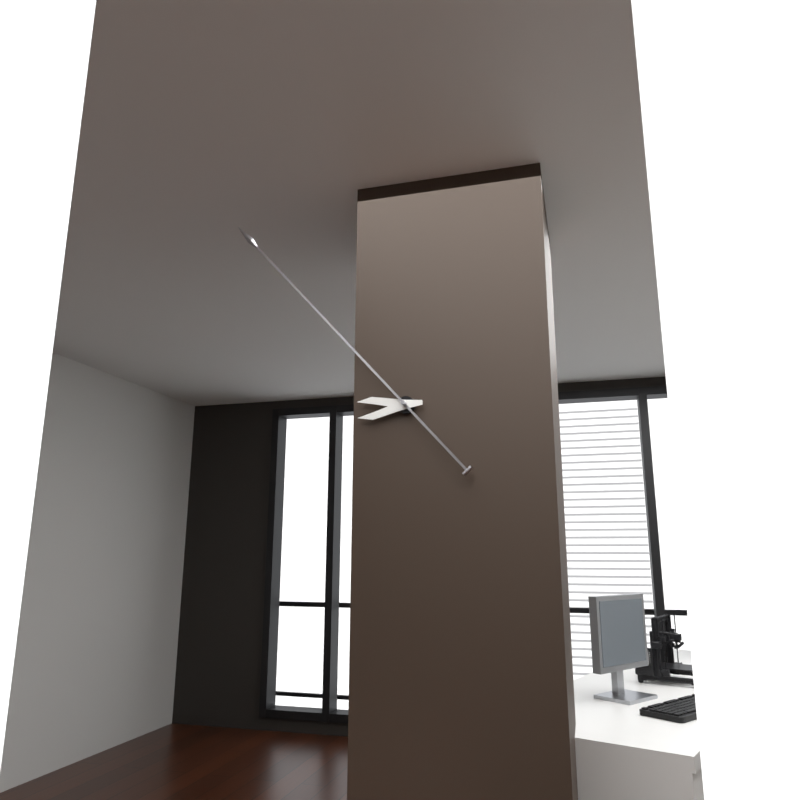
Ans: 8:53
